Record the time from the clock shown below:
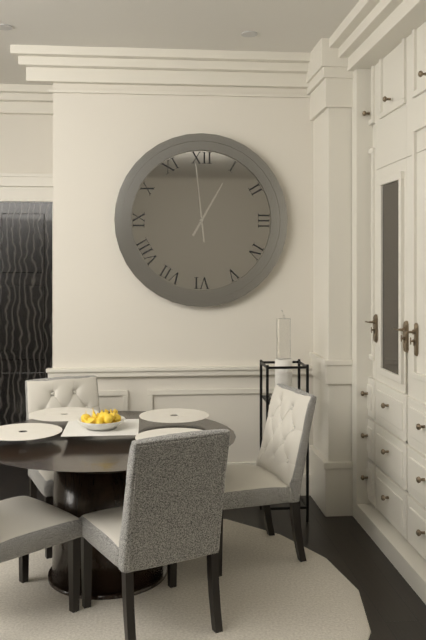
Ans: 12:59
